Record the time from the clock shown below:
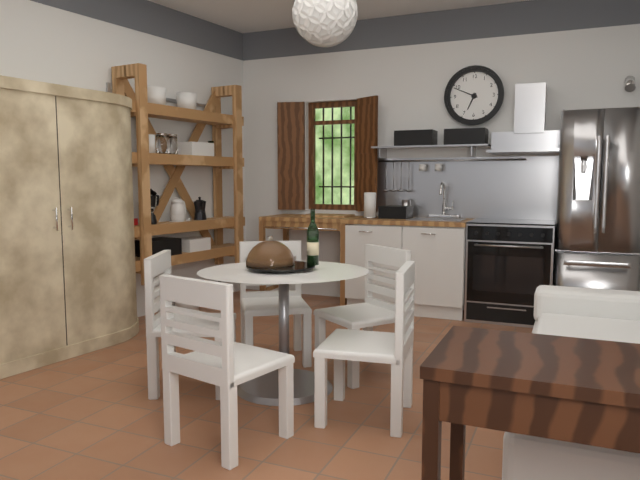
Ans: 6:49
